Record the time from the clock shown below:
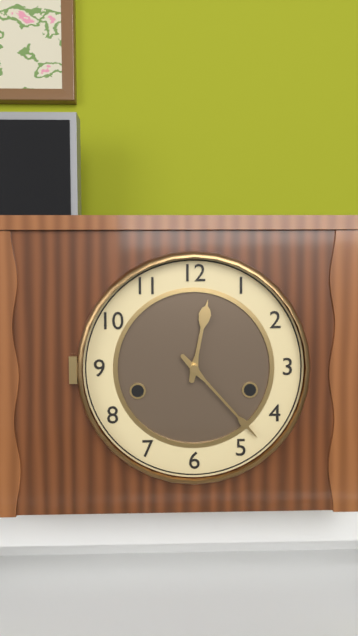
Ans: 12:23
